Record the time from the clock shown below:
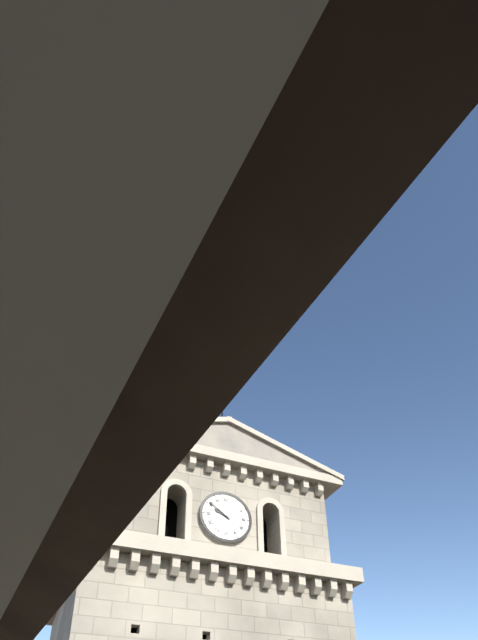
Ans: 9:51
